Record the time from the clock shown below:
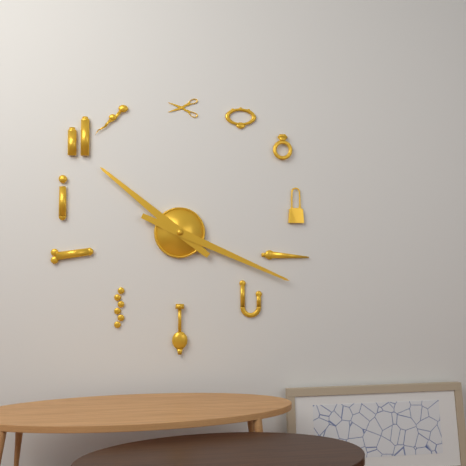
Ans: 10:19
